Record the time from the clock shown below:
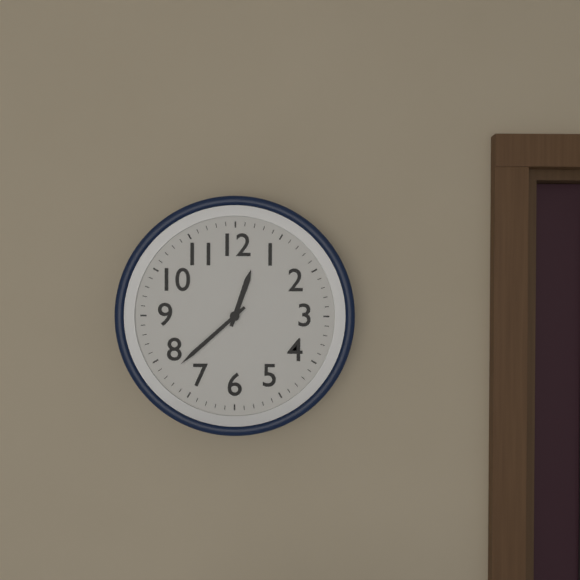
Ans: 12:38
